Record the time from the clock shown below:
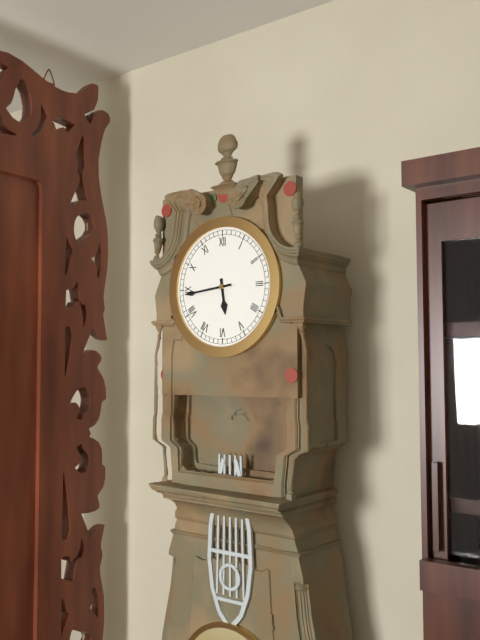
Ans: 5:44
